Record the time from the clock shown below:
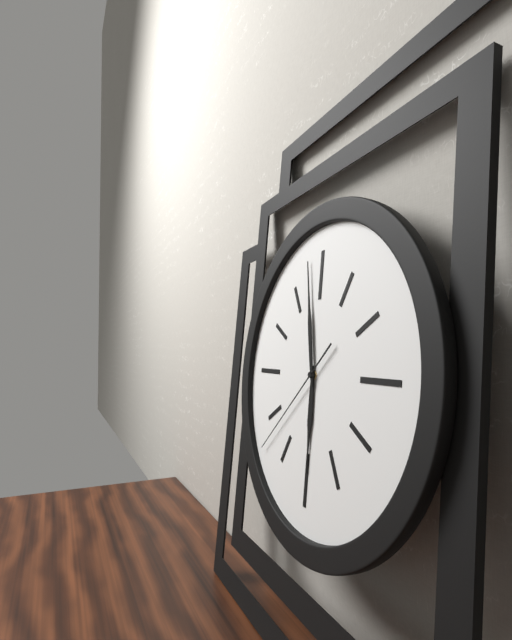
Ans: 5:58:38
